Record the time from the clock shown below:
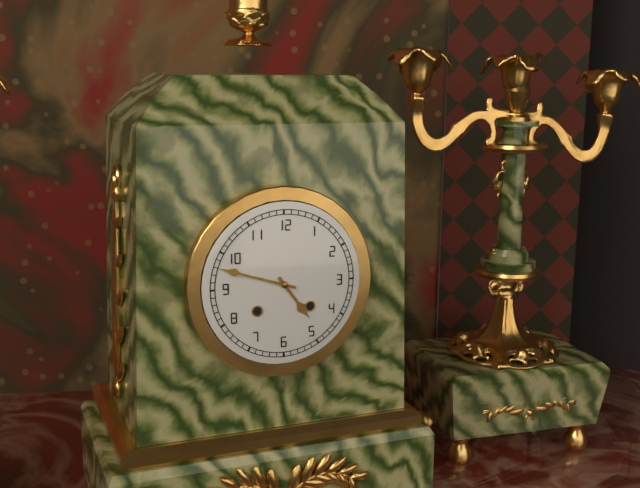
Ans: 4:48
